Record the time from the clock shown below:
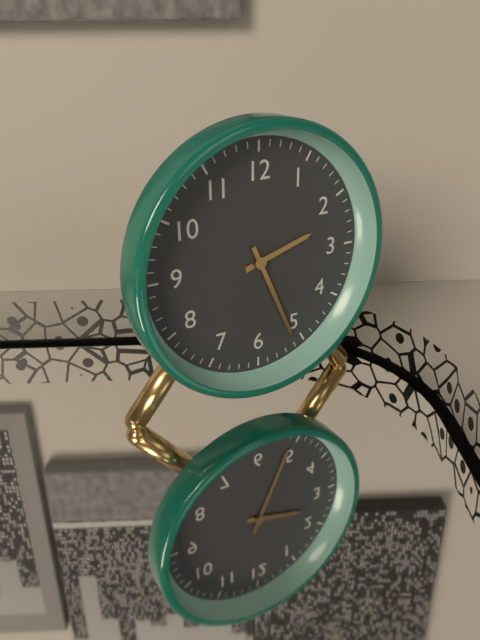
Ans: 2:26
